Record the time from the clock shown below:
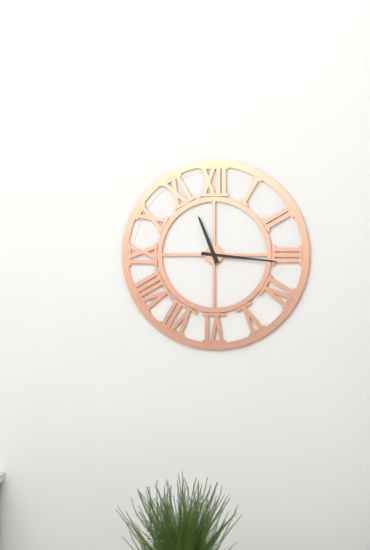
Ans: 11:16
